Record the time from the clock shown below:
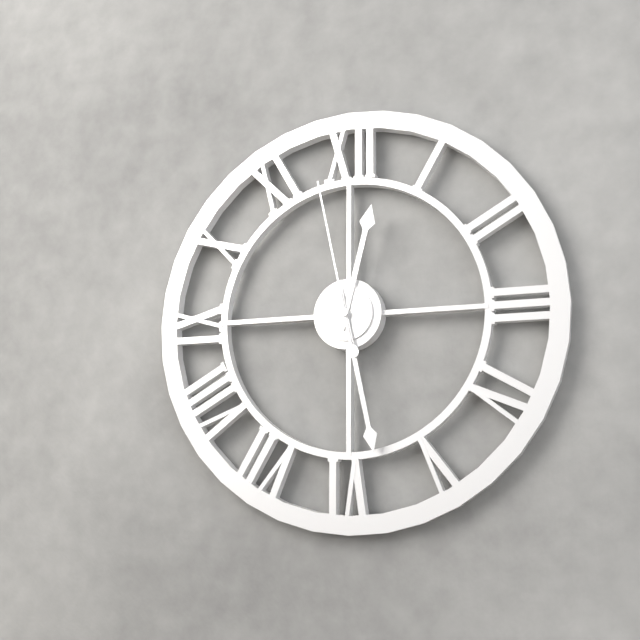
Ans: 12:28:58
